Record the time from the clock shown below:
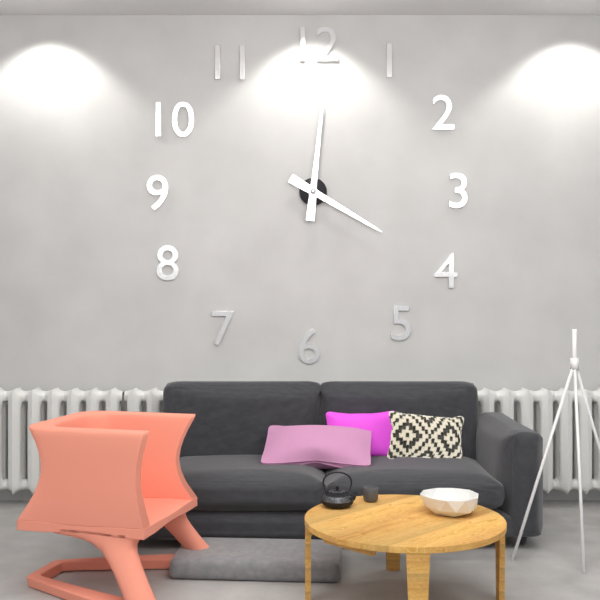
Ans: 4:01
